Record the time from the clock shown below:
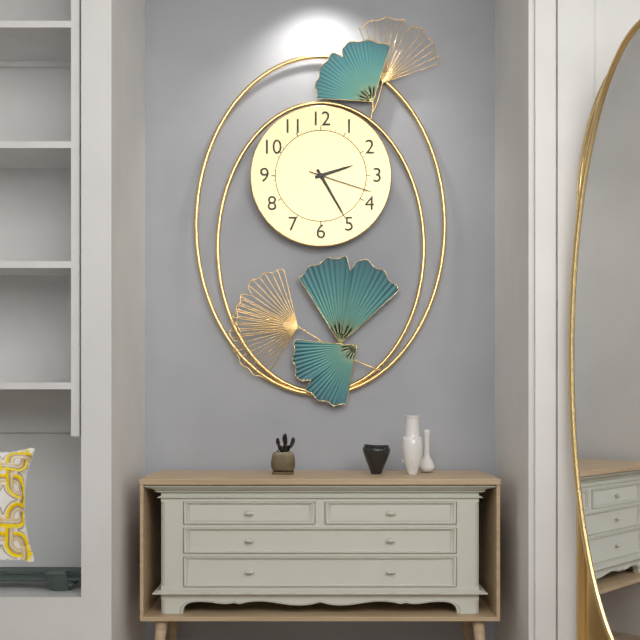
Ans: 2:25:18
